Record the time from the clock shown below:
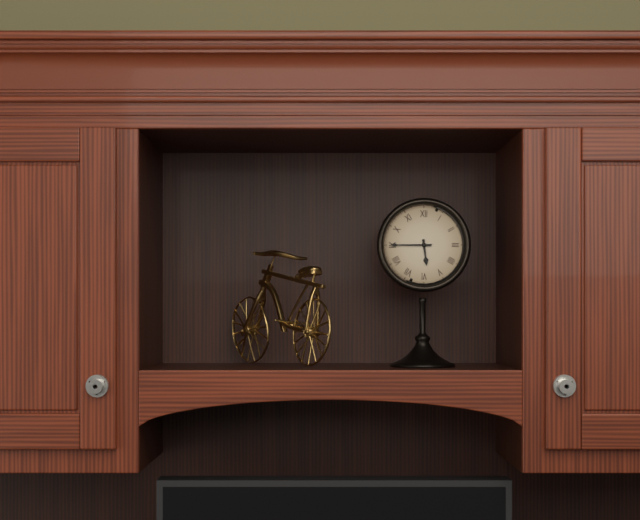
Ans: 5:45
